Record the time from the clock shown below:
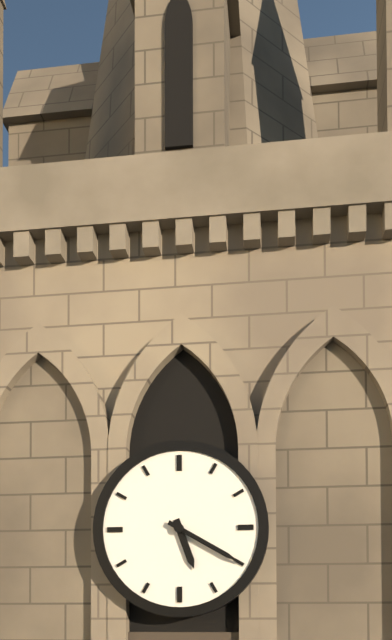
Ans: 5:20
